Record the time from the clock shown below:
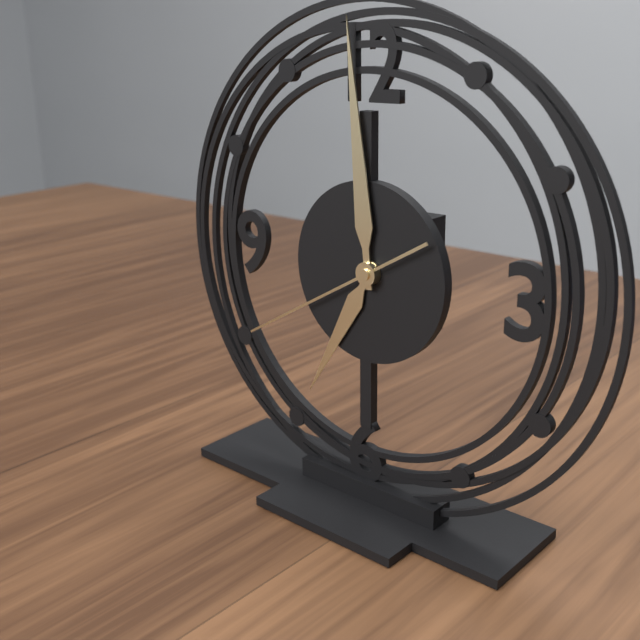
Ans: 6:59:40
